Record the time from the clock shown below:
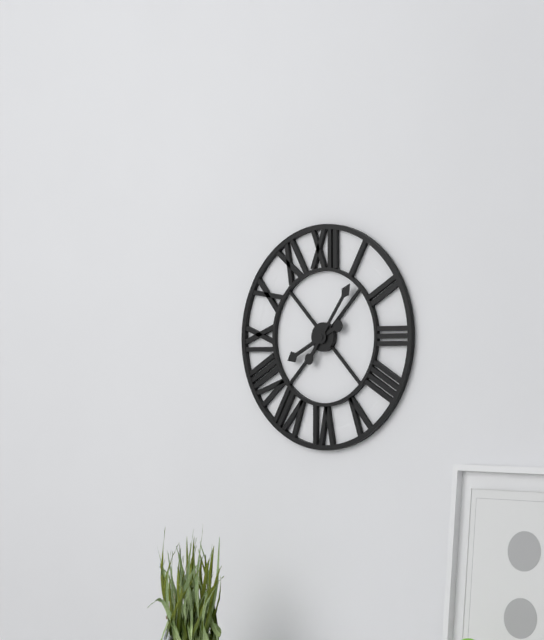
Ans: 8:06
